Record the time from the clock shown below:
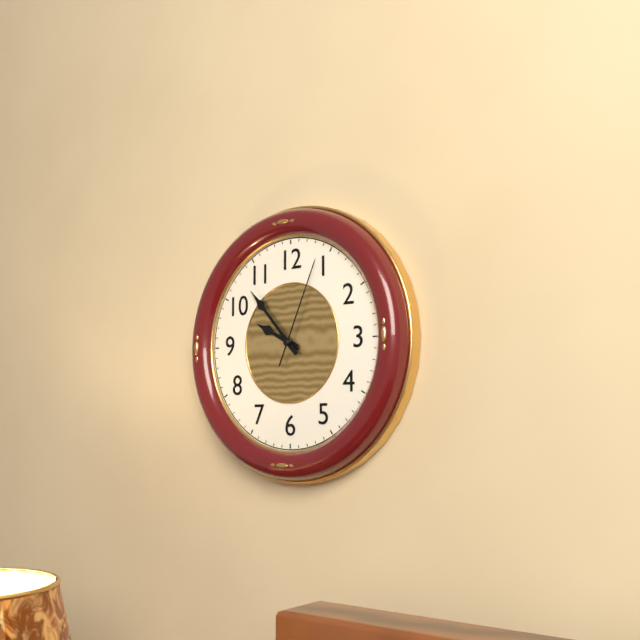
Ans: 9:53:04
